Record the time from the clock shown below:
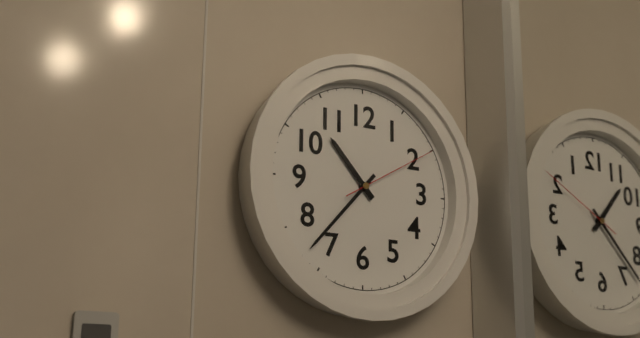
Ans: 10:37:10
